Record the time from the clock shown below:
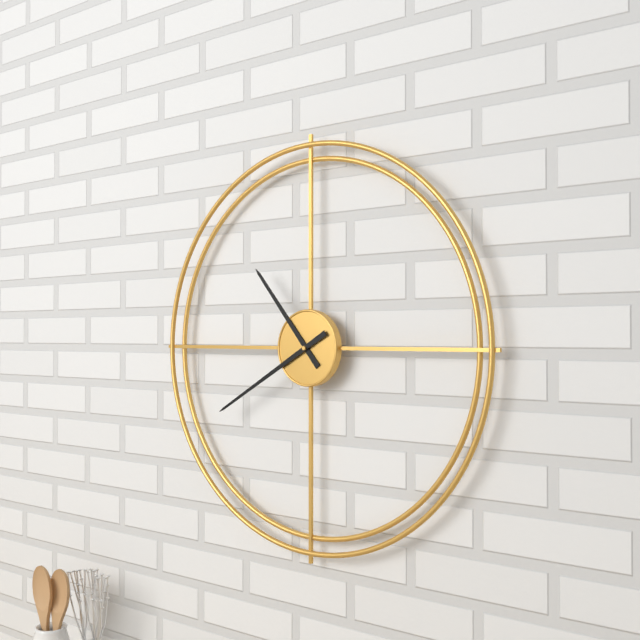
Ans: 10:40
